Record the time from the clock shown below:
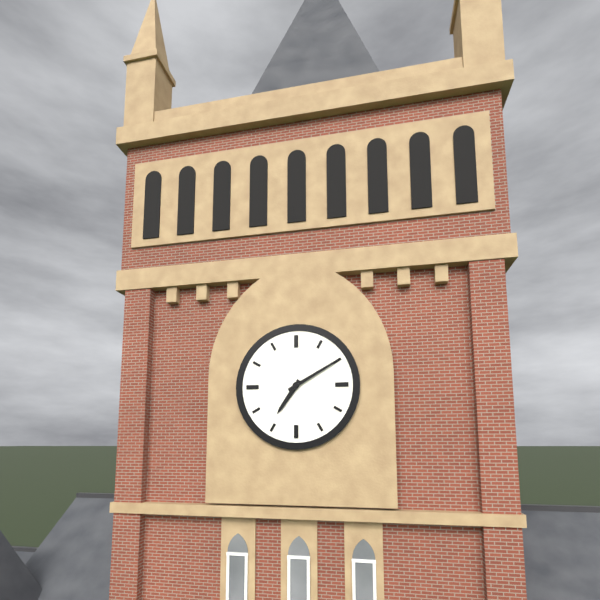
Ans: 7:10
